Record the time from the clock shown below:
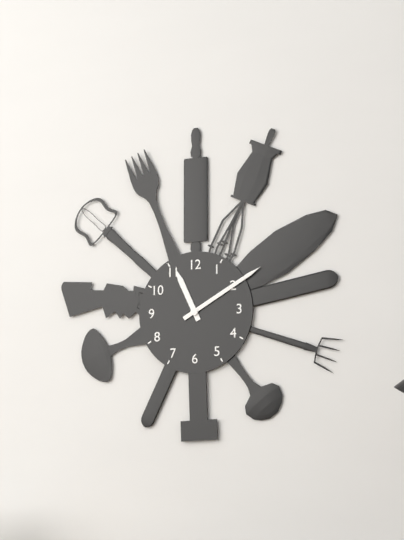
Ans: 11:10
